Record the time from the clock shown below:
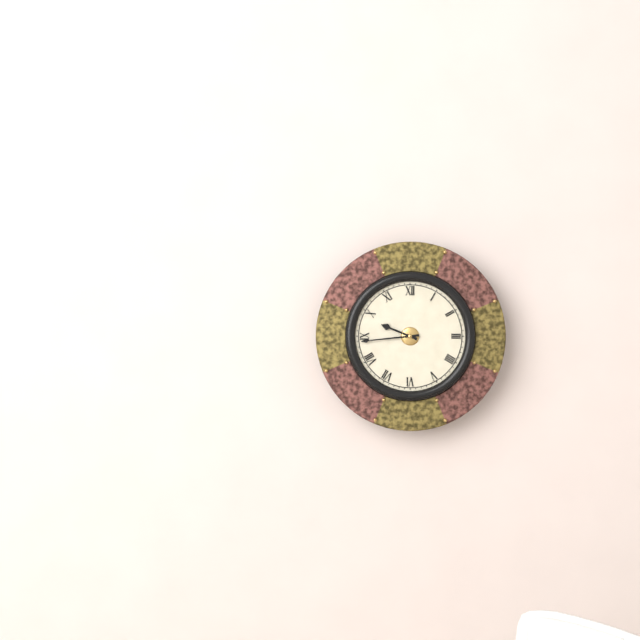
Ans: 9:44
